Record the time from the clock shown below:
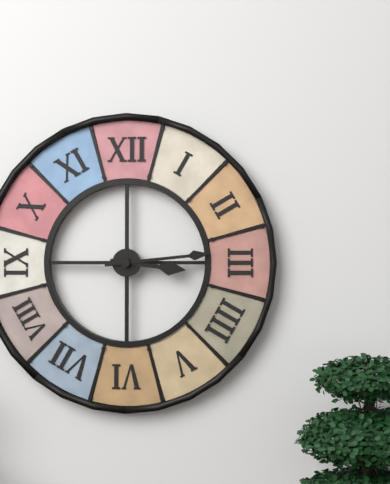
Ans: 3:14
